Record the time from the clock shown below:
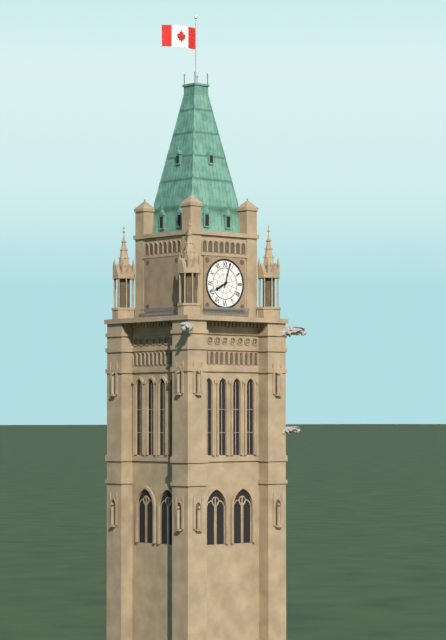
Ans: 8:03
